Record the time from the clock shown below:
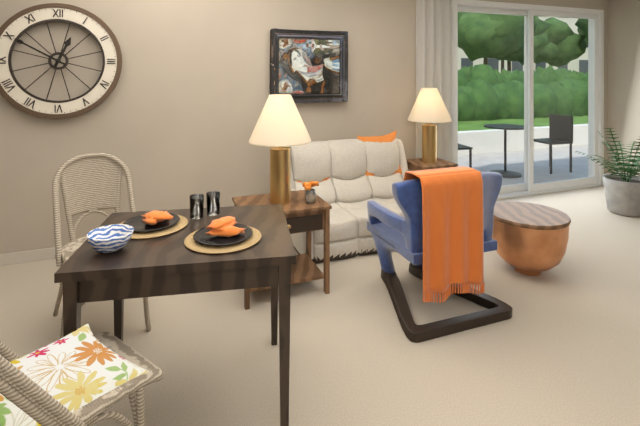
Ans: 12:50
